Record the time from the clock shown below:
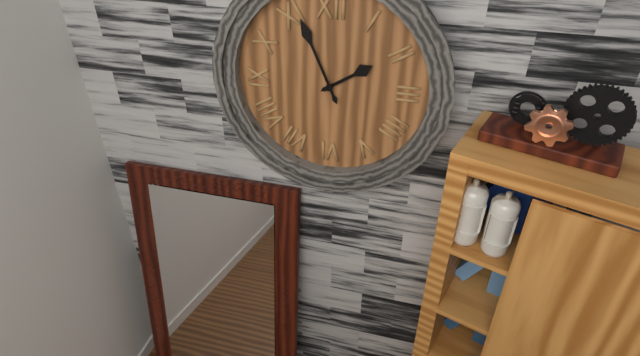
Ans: 1:56
